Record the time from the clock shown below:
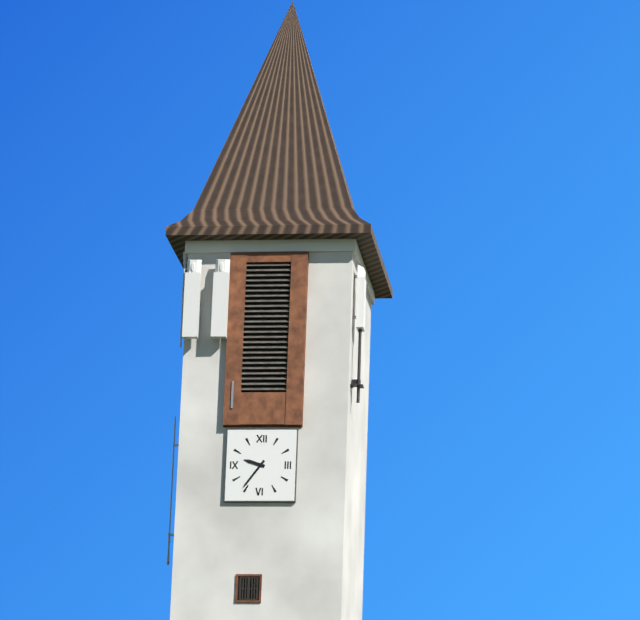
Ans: 9:36
